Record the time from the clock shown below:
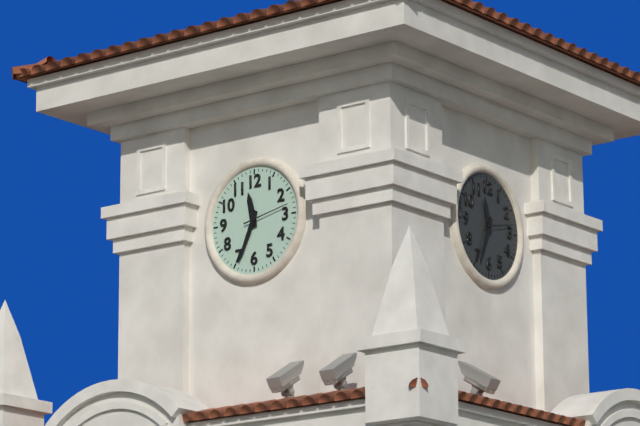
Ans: 11:34
